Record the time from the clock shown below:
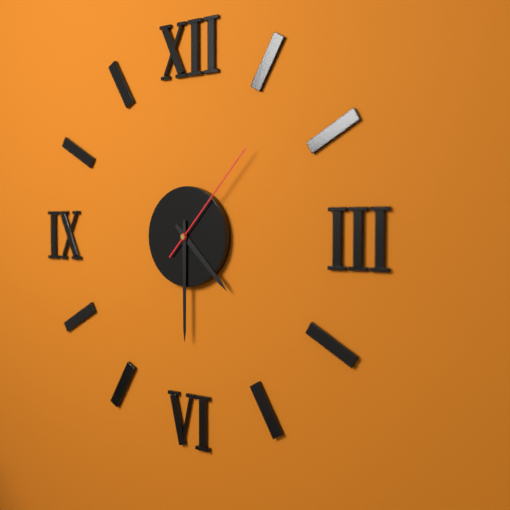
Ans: 4:30:07
